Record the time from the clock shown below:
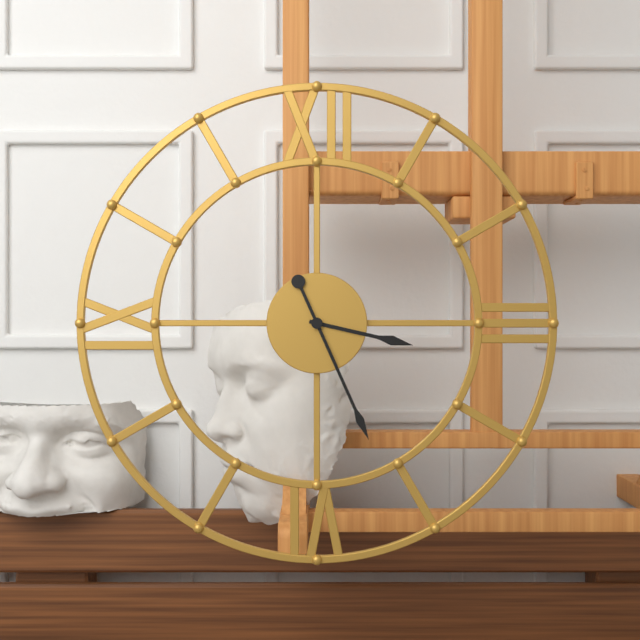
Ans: 3:26
